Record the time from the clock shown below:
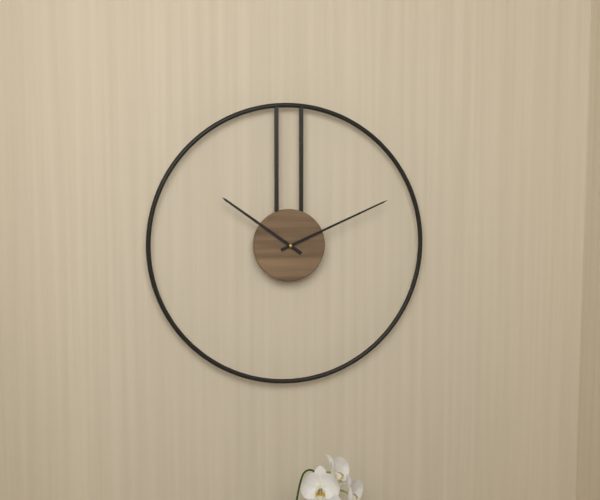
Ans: 10:11
